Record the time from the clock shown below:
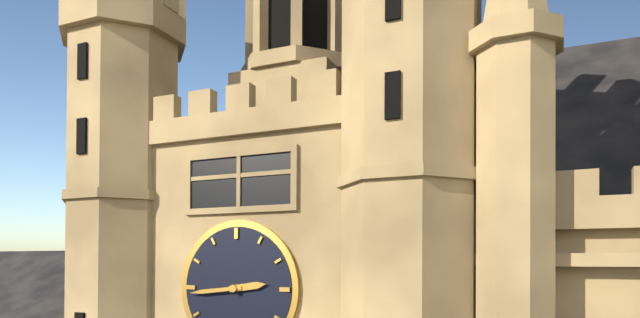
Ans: 2:44
